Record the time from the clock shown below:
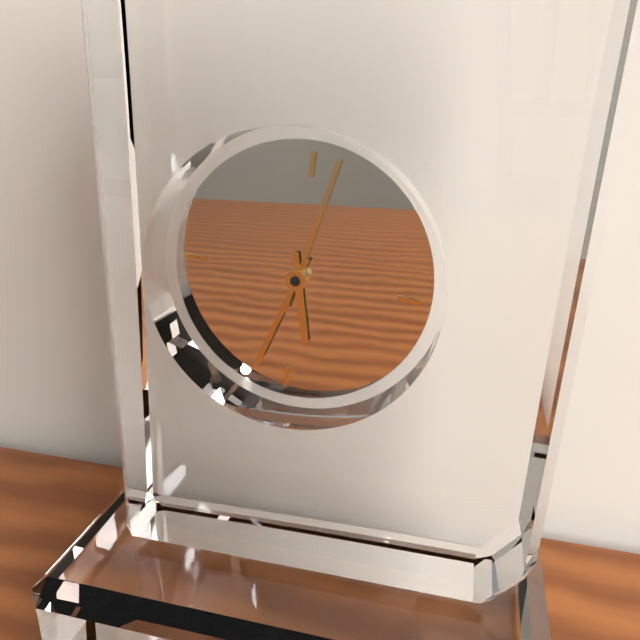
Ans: 5:33:02
